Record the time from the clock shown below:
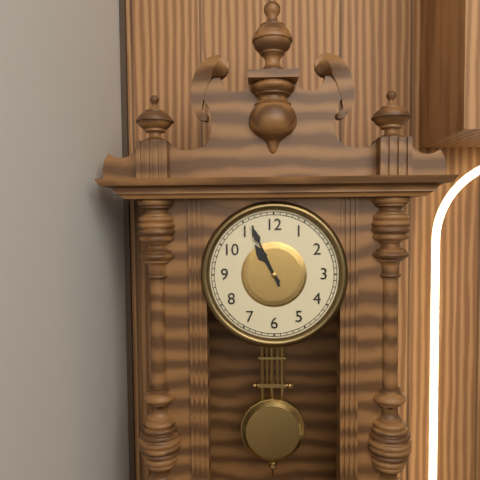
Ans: 10:56
